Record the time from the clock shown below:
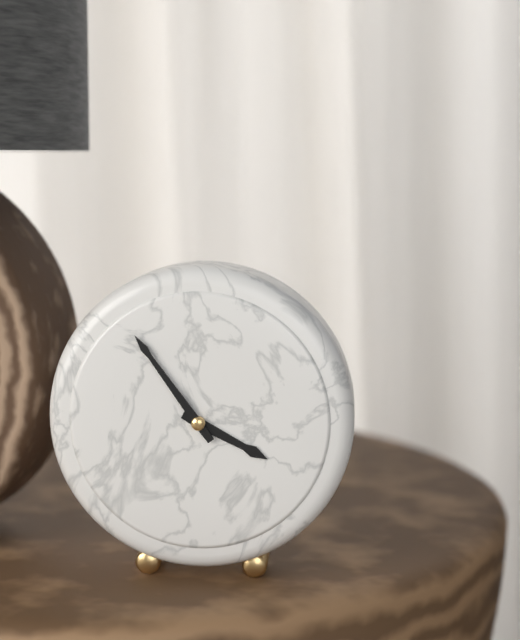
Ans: 3:54
